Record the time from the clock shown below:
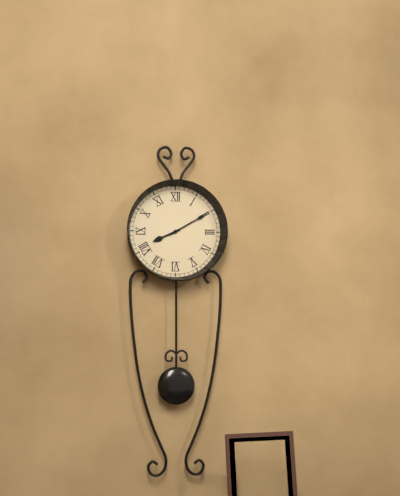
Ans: 8:10
